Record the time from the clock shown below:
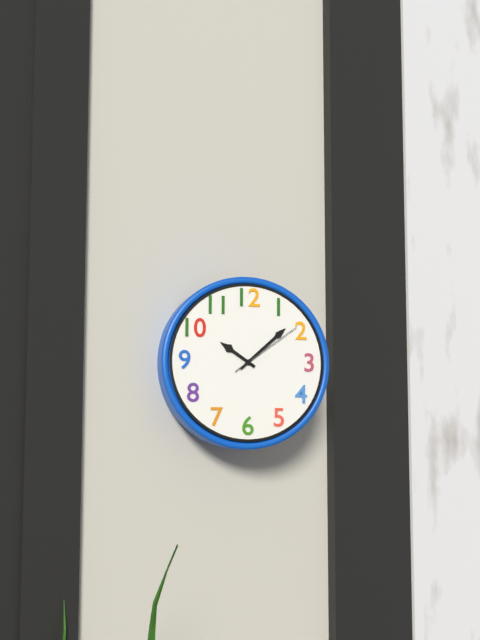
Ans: 10:08:09
